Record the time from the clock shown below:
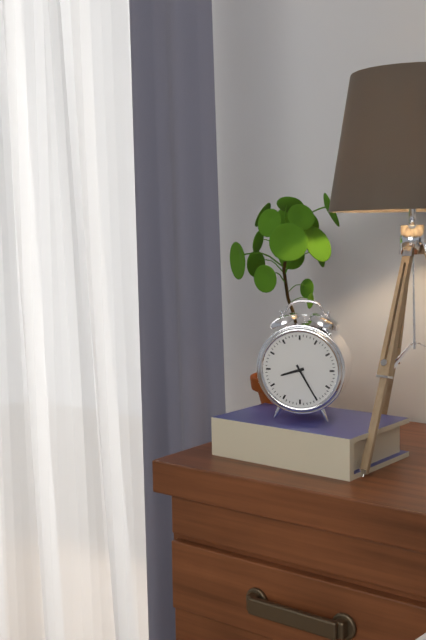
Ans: 8:25
